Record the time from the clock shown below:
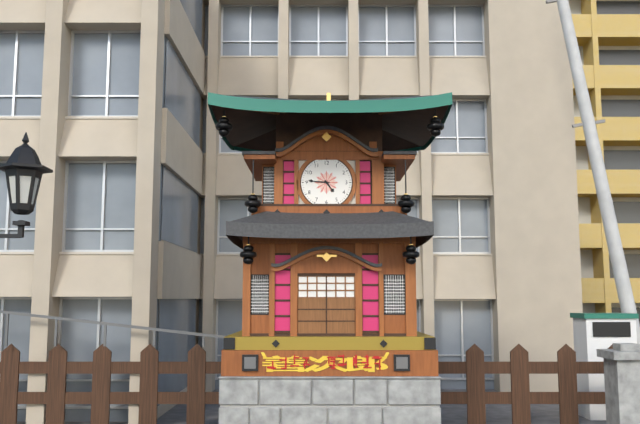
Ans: 4:46
